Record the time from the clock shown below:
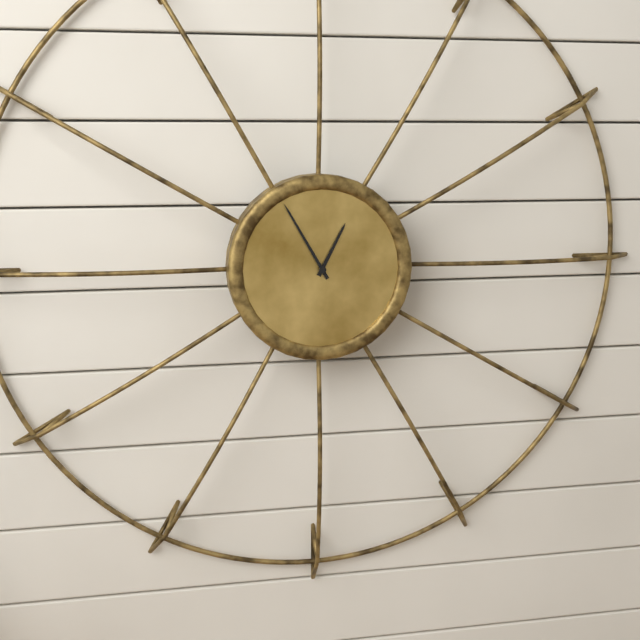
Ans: 12:55
